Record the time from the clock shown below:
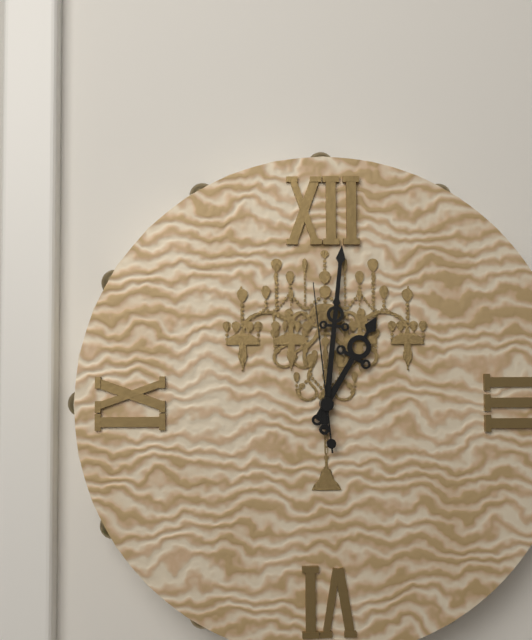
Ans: 1:01:59
